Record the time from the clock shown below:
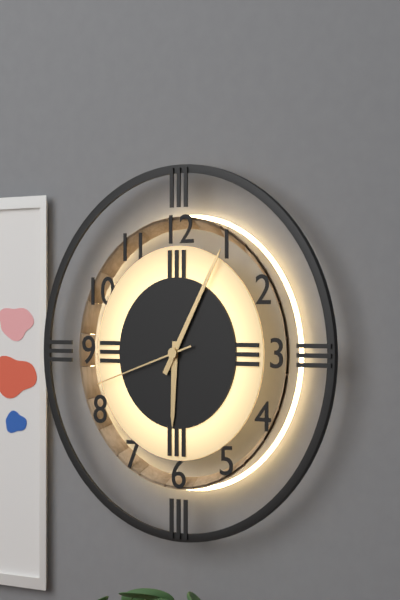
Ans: 6:05:42
